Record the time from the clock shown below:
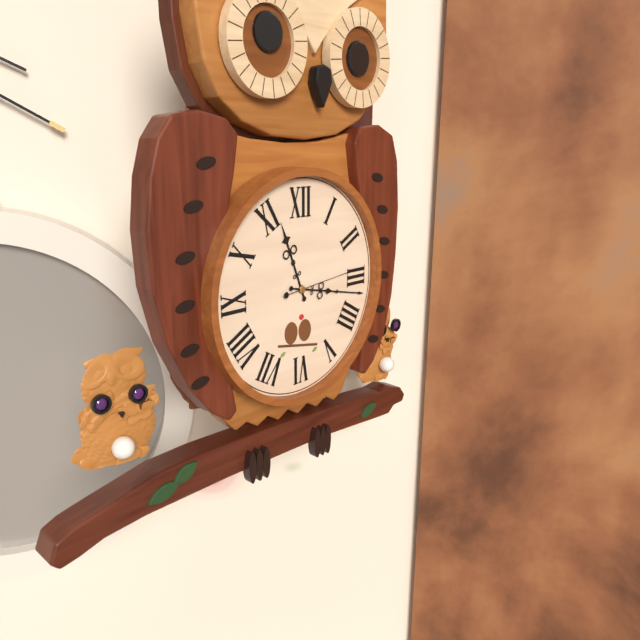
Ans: 11:17:14
